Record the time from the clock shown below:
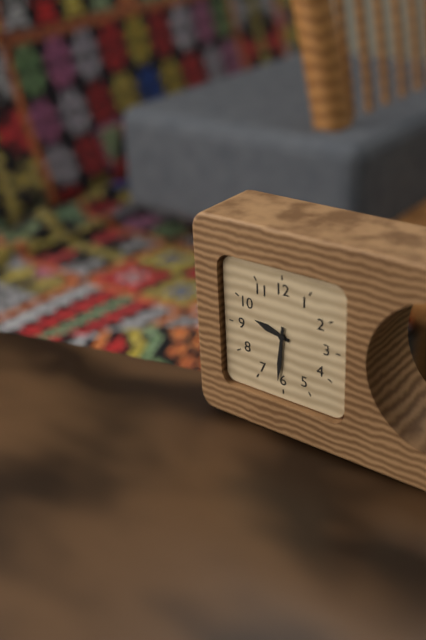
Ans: 9:31
